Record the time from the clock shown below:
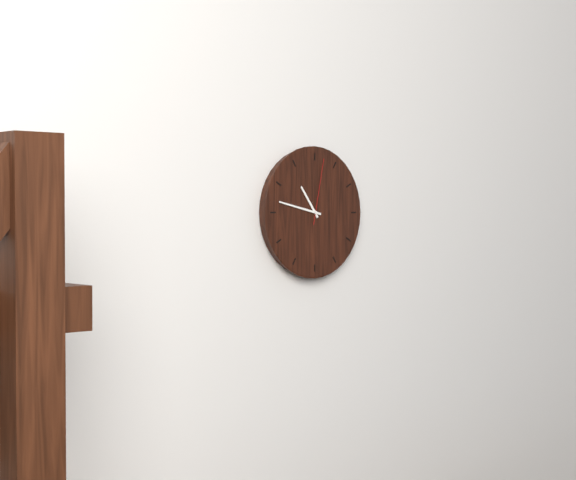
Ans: 10:47:02
